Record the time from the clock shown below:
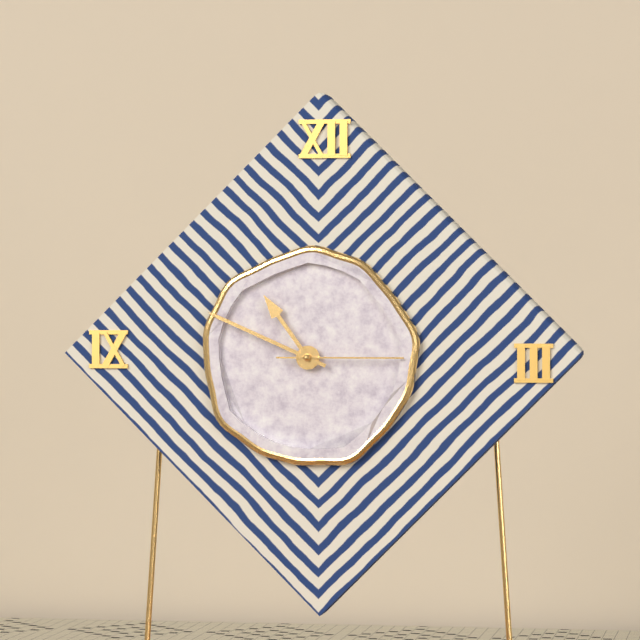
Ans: 10:49:15
